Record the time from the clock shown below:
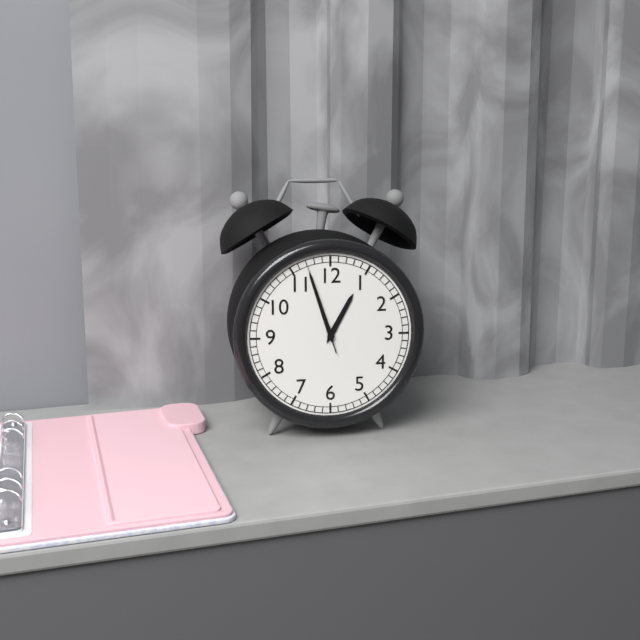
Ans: 12:57:57
